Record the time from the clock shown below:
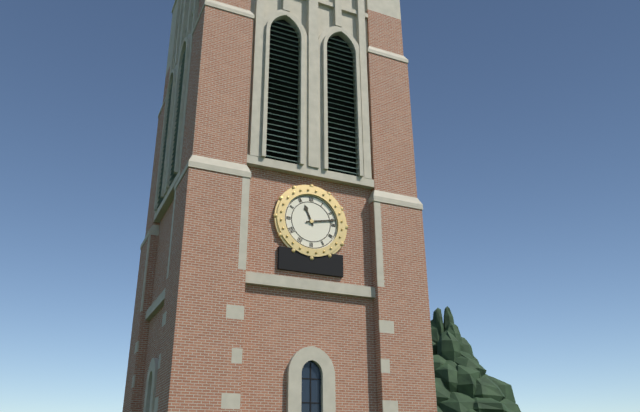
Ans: 11:13
